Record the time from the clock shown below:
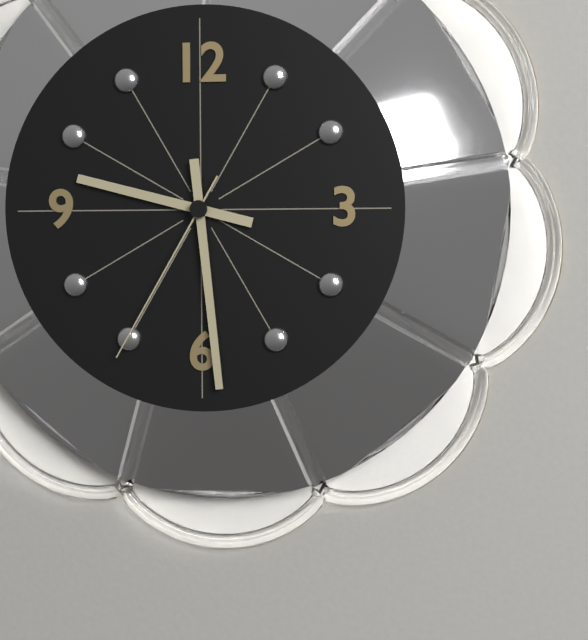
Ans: 9:29:35
